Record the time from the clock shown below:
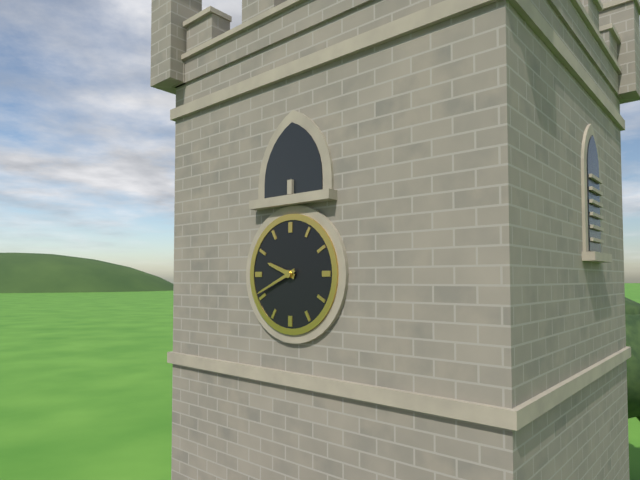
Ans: 9:41
